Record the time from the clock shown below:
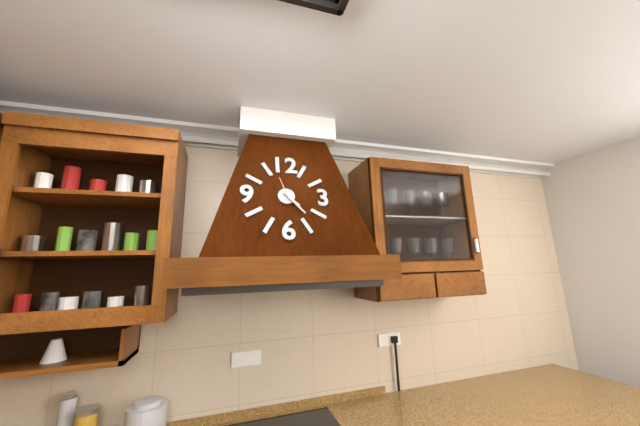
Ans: 4:23
